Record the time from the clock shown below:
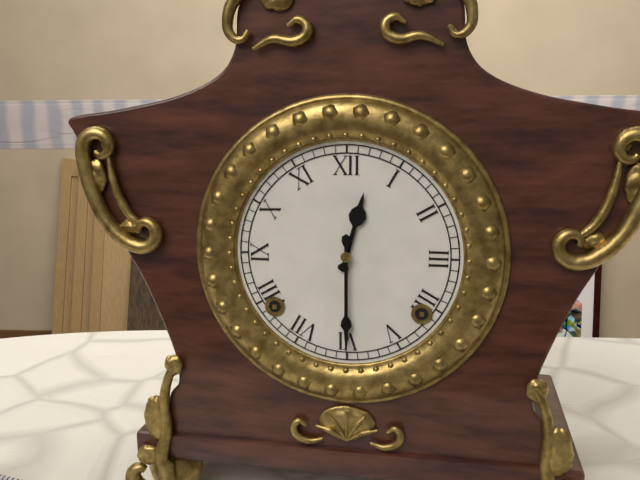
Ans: 12:30
